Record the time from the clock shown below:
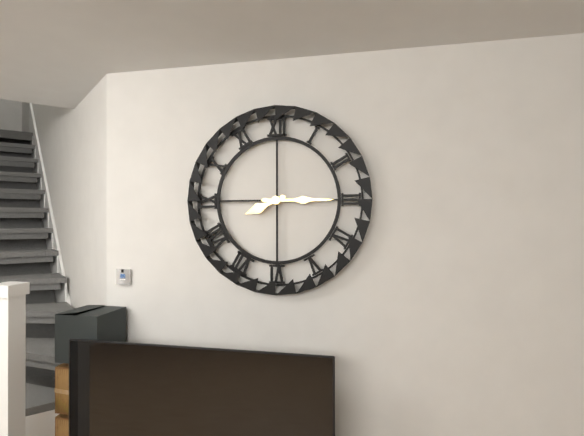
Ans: 8:15
